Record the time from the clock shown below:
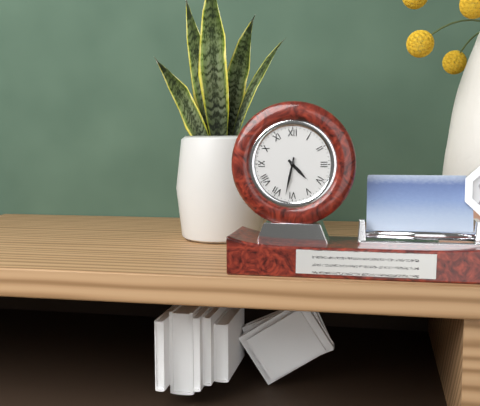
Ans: 4:32
